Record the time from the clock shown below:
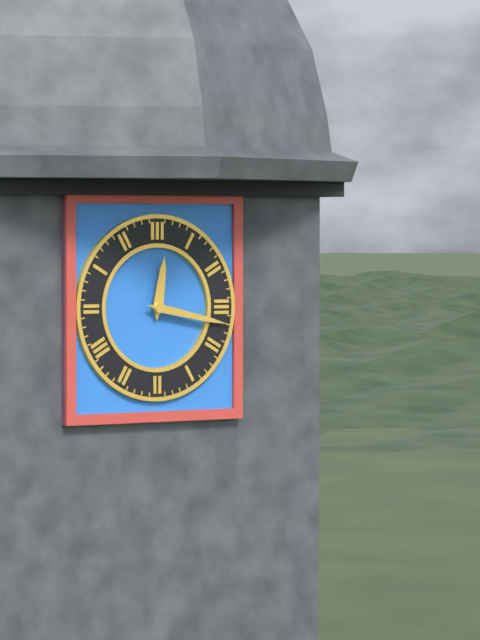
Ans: 12:17
